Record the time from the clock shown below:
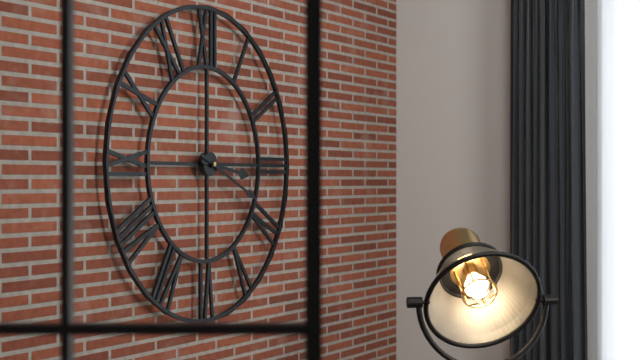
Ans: 3:19
